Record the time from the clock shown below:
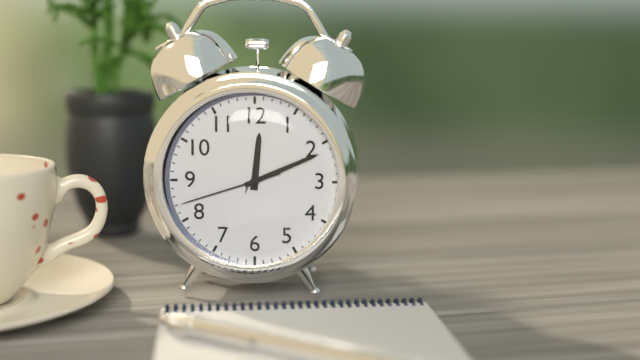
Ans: 12:11:42
